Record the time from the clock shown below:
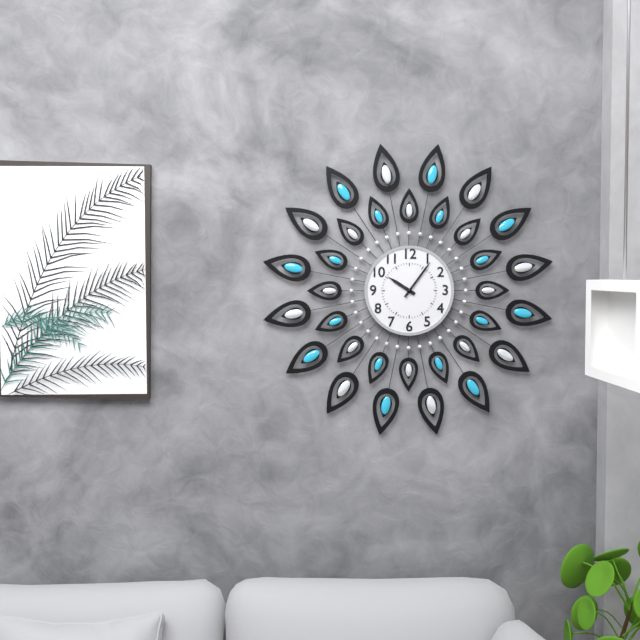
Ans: 10:06
